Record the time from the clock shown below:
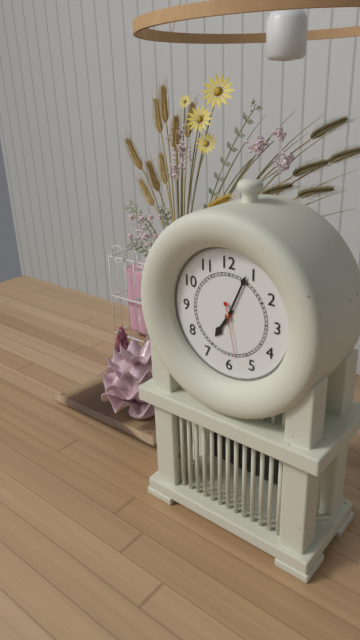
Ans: 7:04:28
